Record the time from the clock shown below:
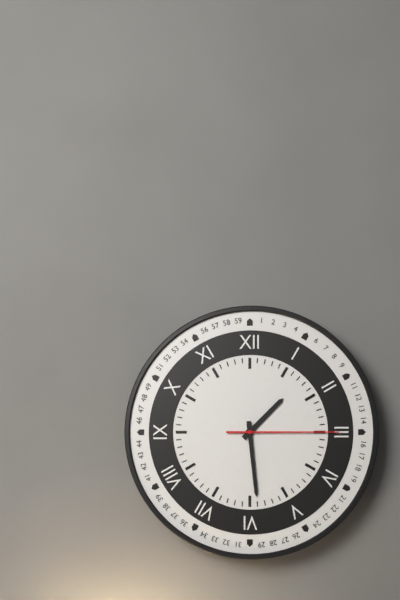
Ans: 1:29:15
